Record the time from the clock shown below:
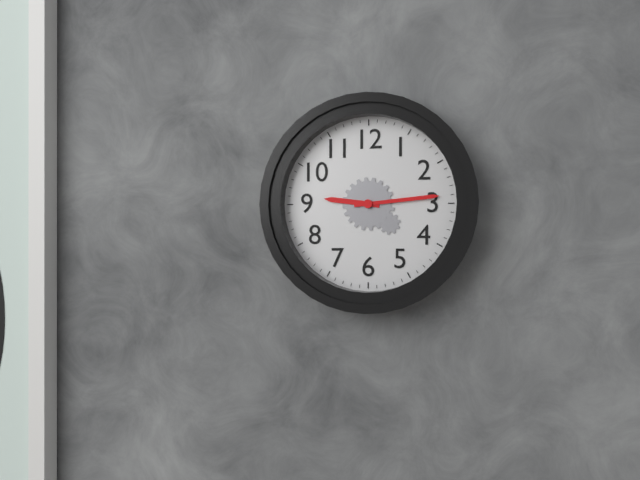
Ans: 9:14
